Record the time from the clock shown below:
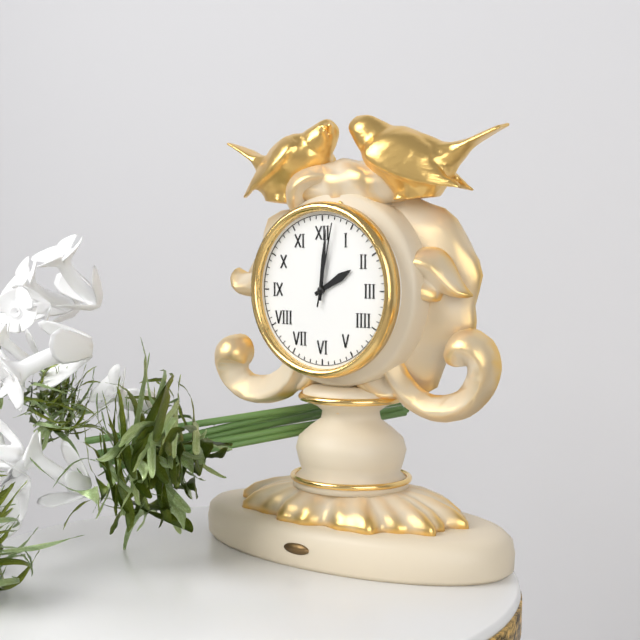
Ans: 2:01:02
